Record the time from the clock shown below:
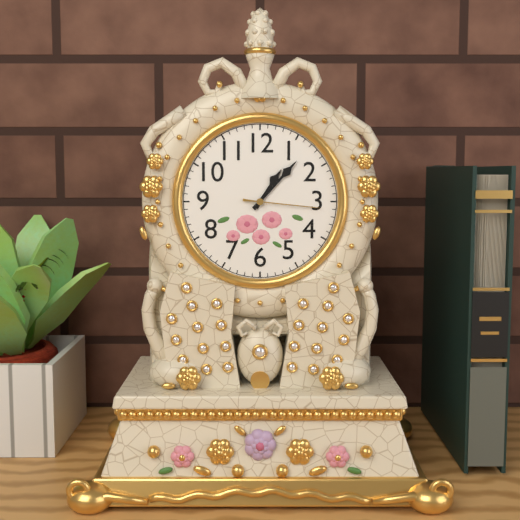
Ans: 1:07:16
